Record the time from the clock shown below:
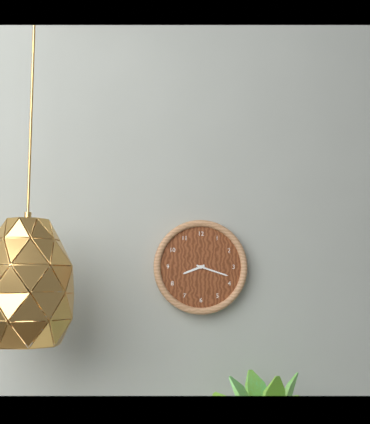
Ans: 8:18
